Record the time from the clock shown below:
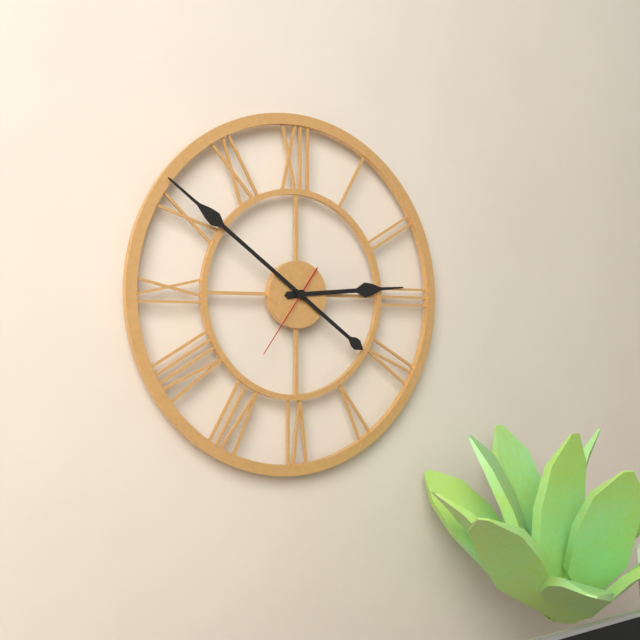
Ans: 2:51:36
